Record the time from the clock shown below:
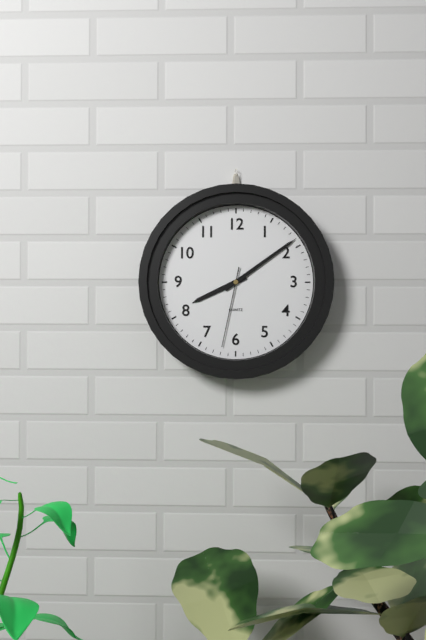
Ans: 8:09:32
